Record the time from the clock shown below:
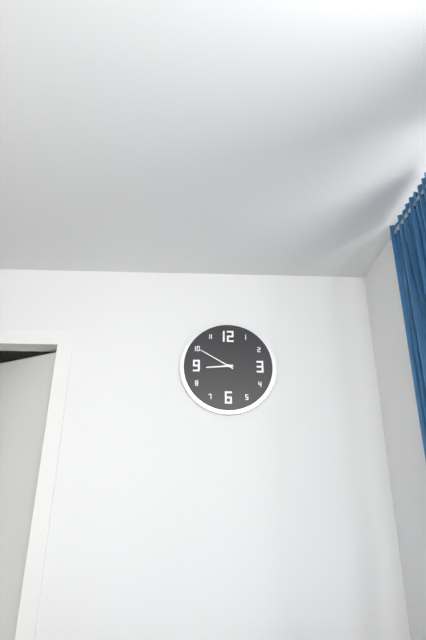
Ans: 8:50
